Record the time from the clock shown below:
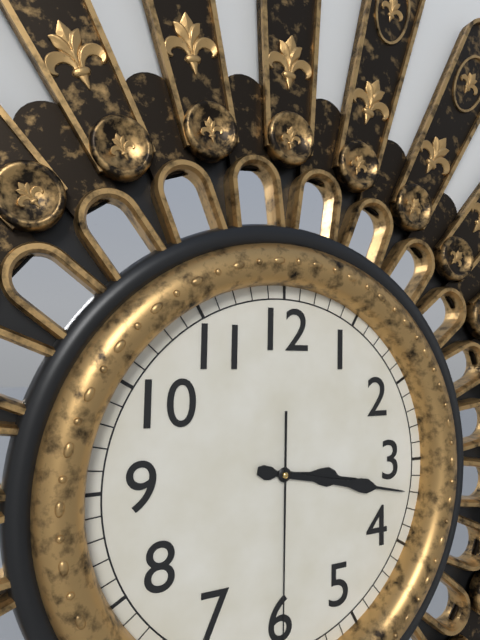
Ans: 3:17
